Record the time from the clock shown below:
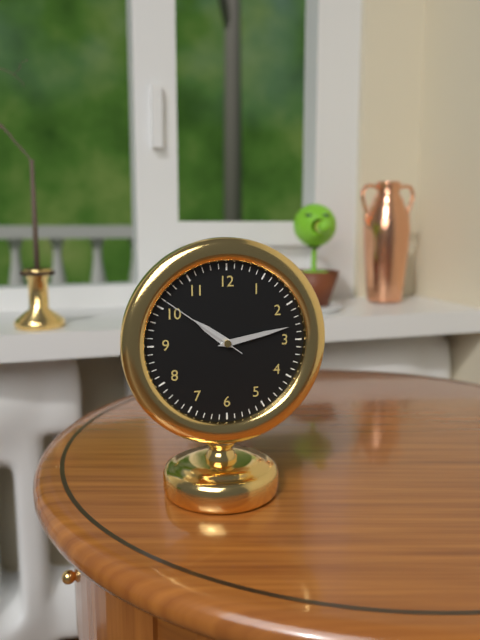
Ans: 10:13:51
